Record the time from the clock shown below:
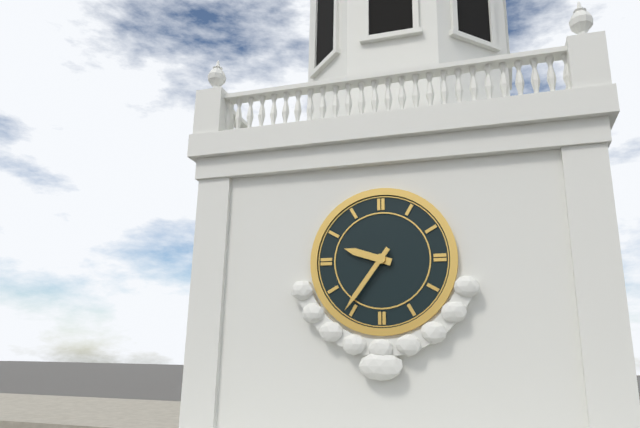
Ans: 9:36
